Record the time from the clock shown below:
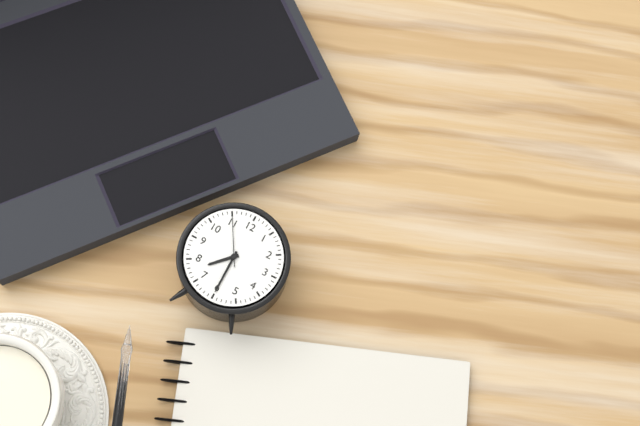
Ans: 7:30:55
